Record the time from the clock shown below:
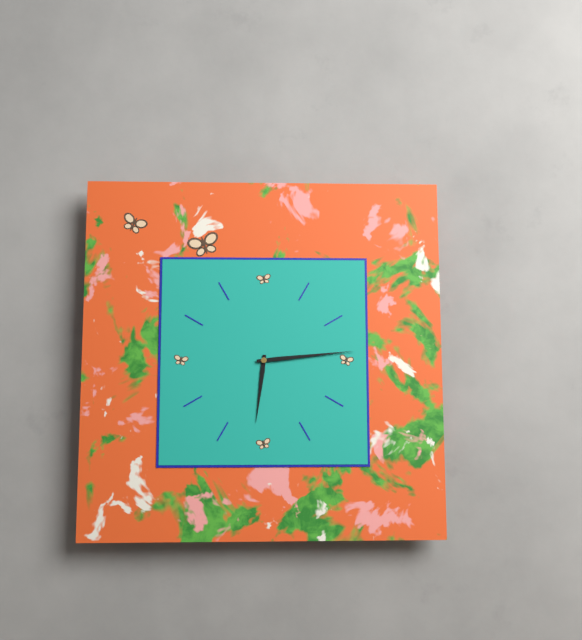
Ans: 6:14
